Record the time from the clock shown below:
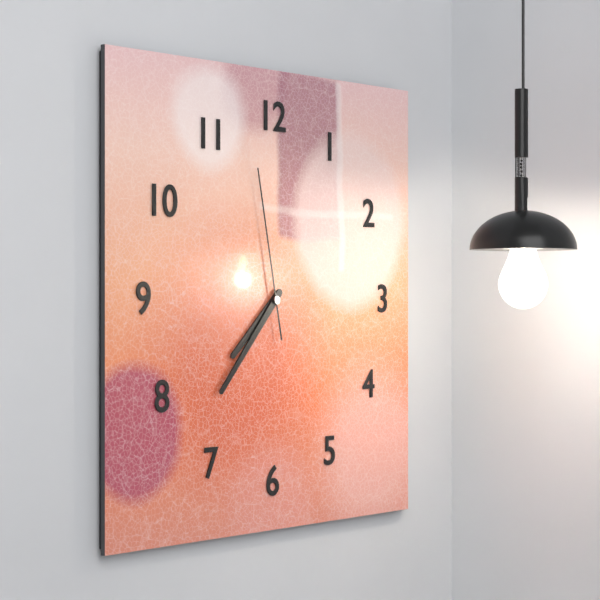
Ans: 7:37:58
